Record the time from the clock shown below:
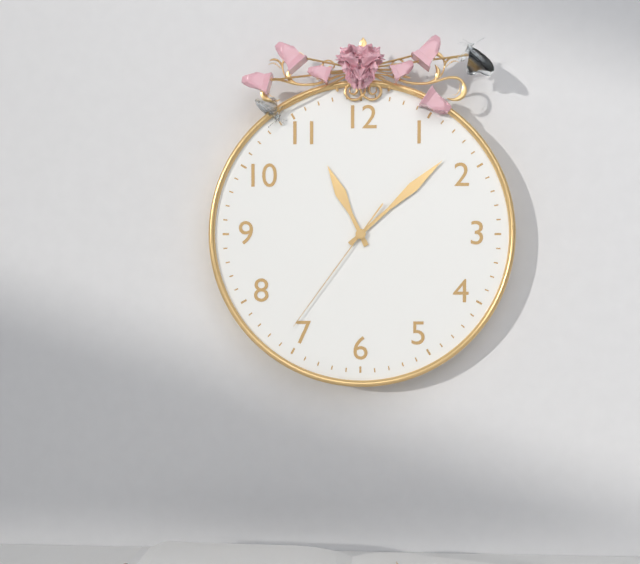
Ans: 11:08:36
